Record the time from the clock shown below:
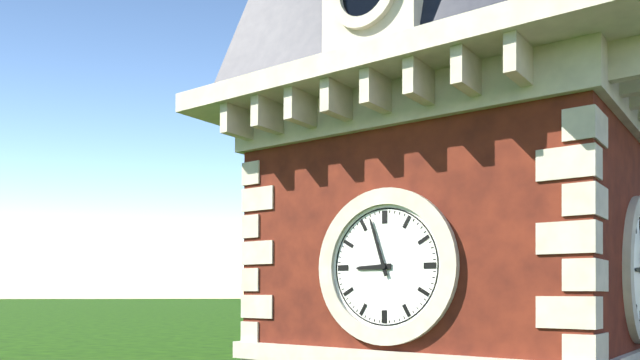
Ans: 8:57
